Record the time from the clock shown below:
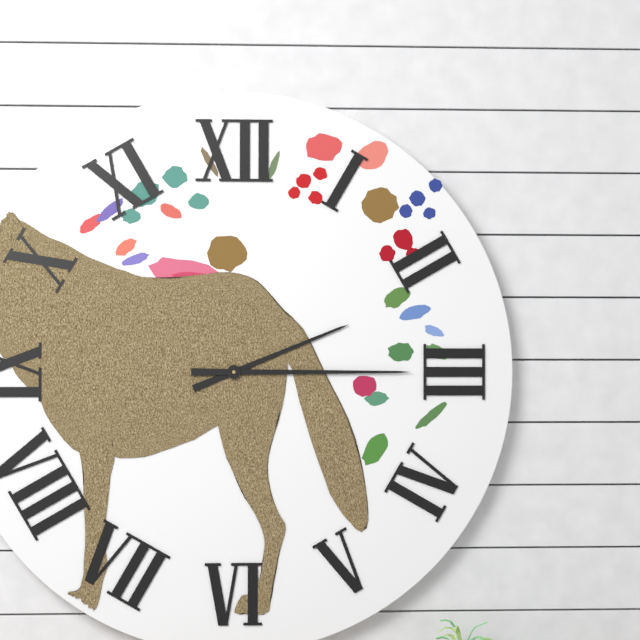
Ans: 2:15
